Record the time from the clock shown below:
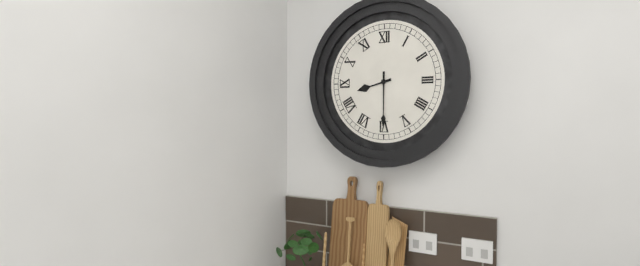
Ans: 8:30
